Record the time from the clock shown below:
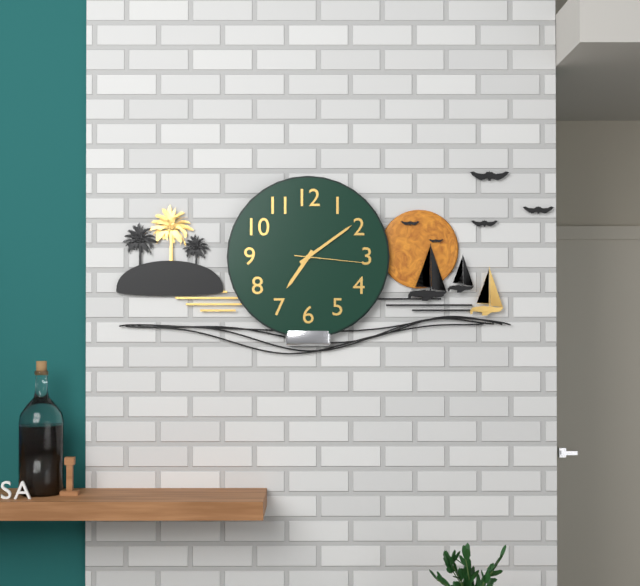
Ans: 7:09:16
